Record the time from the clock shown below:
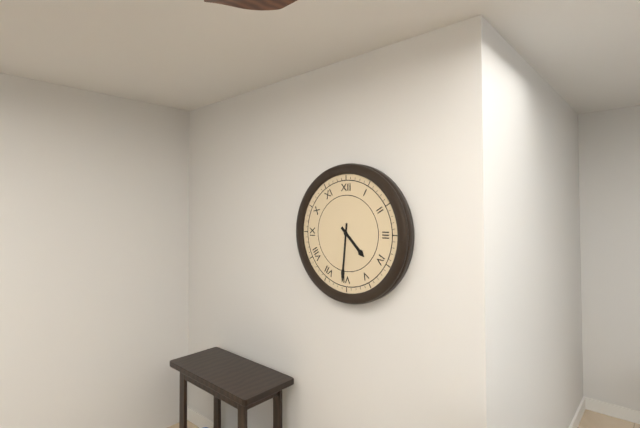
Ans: 4:31
